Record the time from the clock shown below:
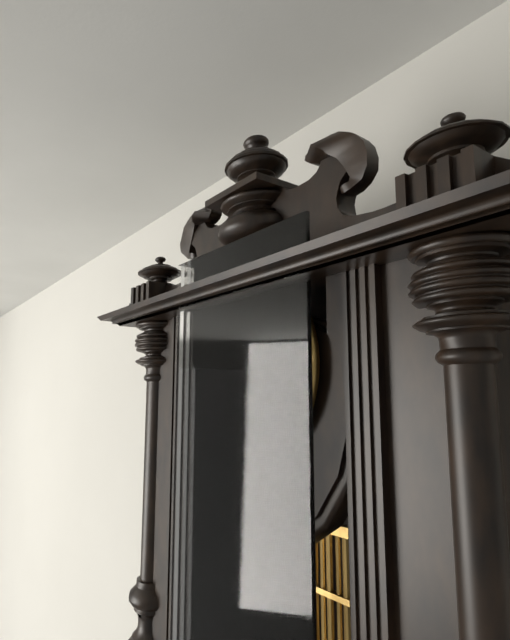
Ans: 7:28
